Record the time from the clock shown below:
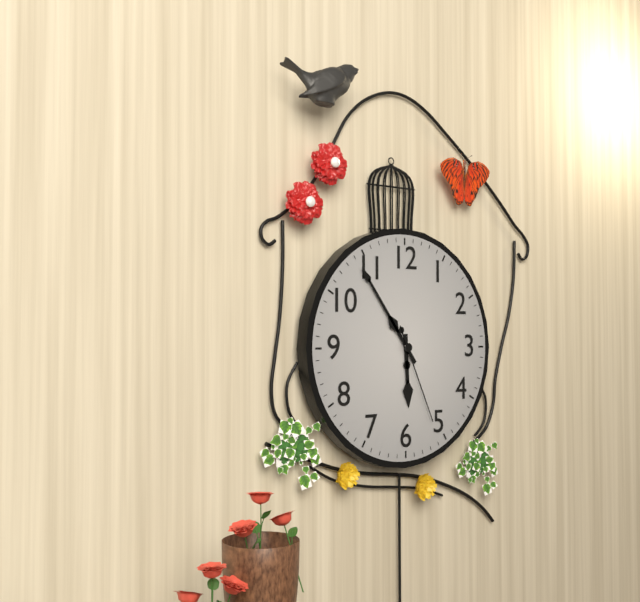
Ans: 5:54:26
